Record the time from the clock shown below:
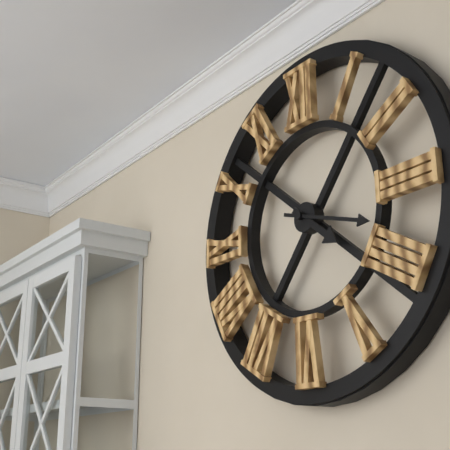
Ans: 4:18
